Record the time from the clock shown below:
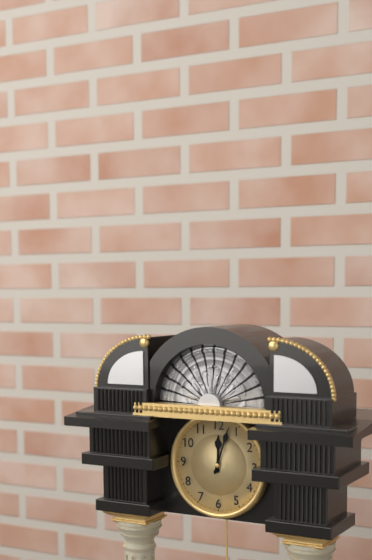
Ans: 12:03
